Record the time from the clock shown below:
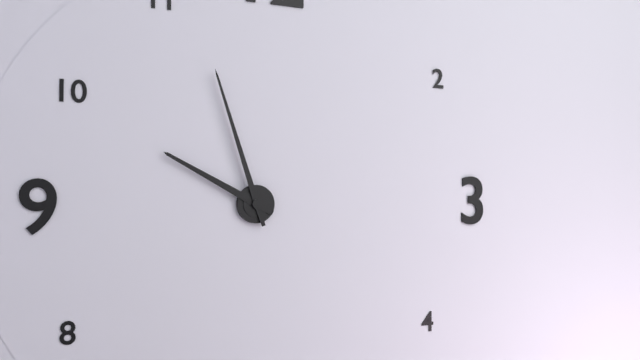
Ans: 9:57
